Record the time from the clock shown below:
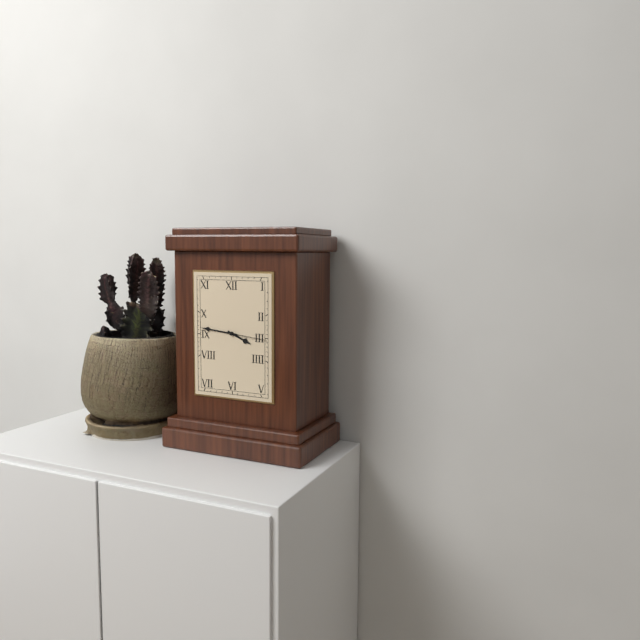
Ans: 3:46
